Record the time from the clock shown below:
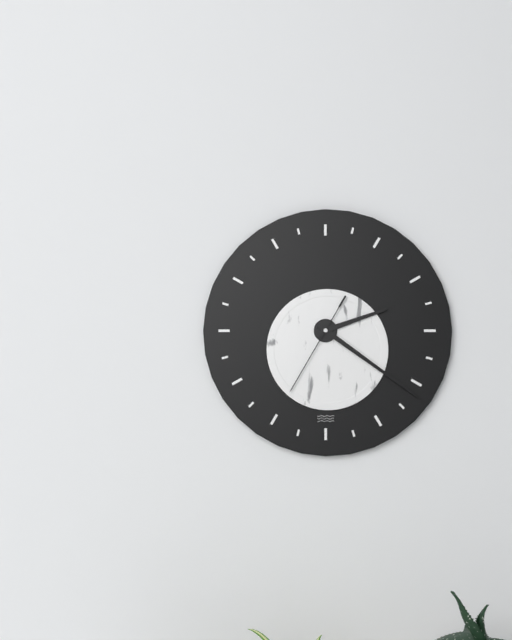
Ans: 2:21:35
